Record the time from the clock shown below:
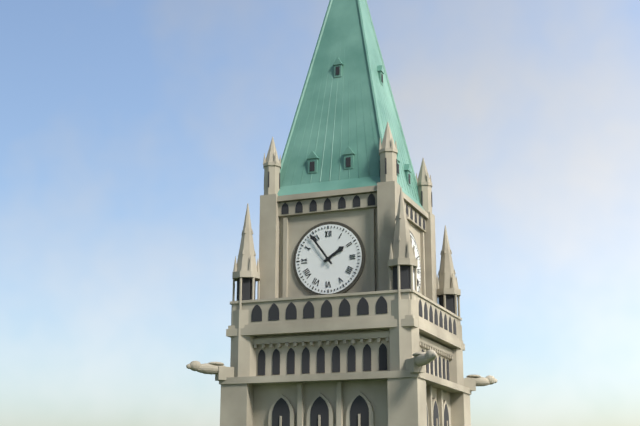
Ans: 1:54
